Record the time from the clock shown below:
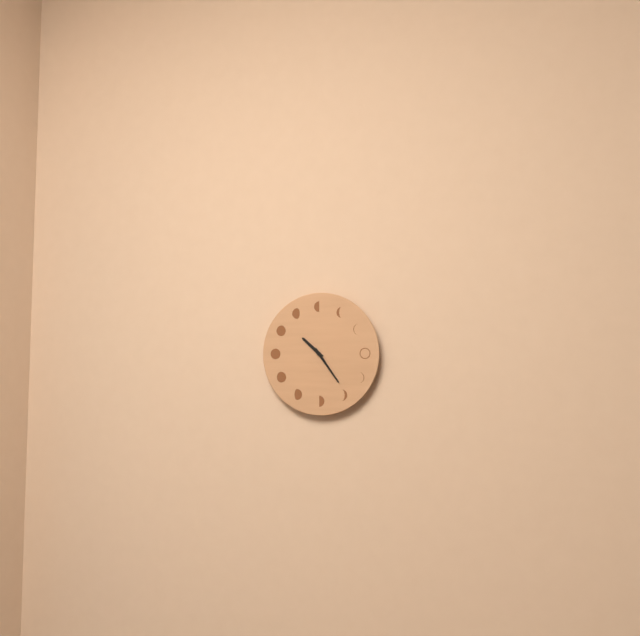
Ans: 10:24
